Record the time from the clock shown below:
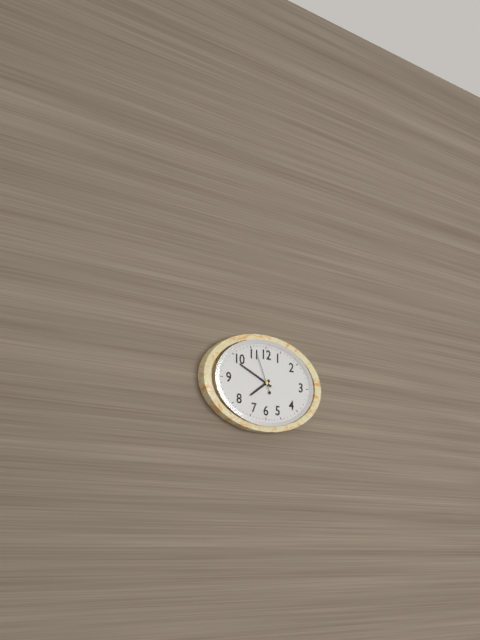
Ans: 7:49
